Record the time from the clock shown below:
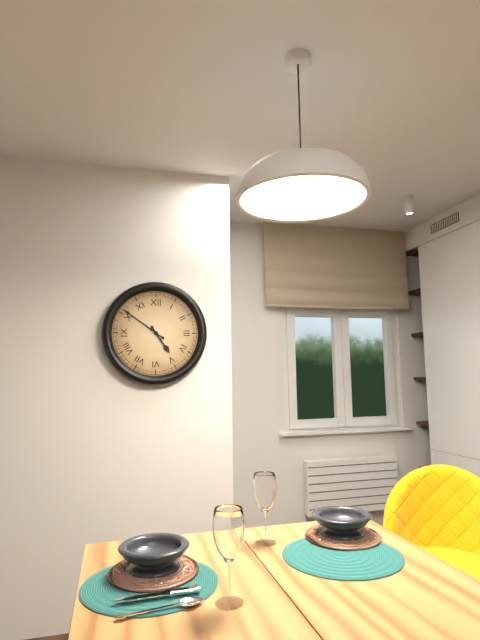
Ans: 4:51
